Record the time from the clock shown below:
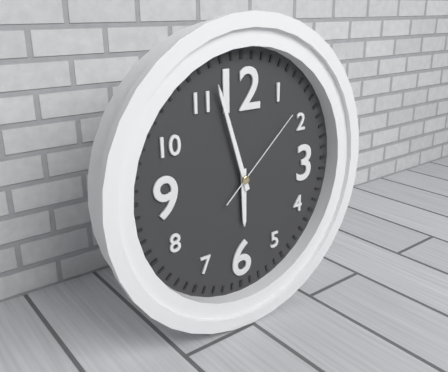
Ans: 5:57:08
